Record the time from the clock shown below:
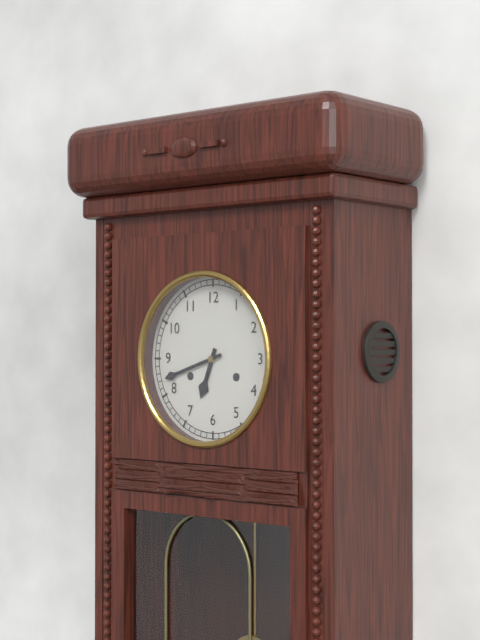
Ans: 6:42
